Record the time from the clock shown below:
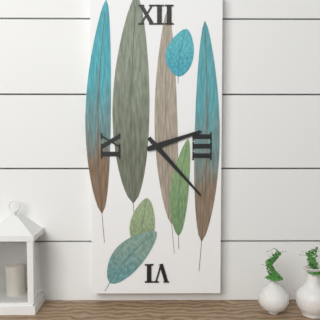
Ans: 2:23
